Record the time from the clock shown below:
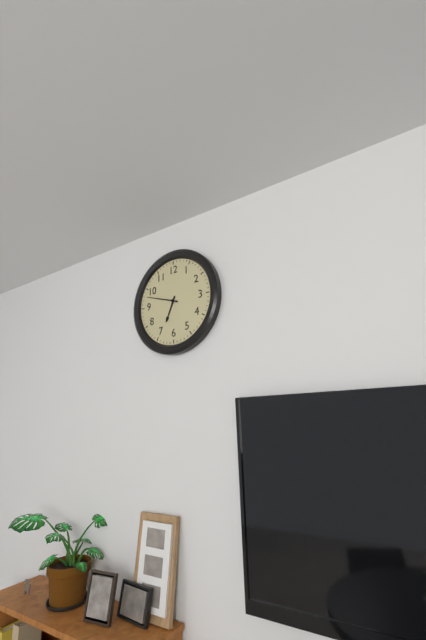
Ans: 6:48
